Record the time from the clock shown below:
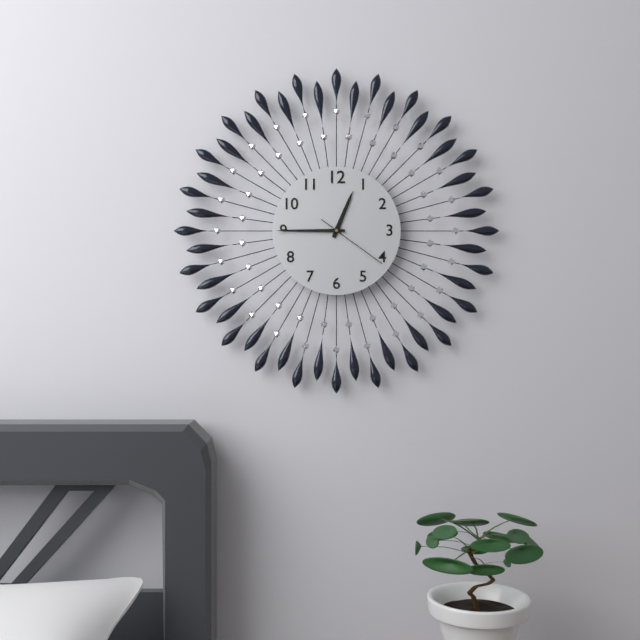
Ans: 12:45:21
